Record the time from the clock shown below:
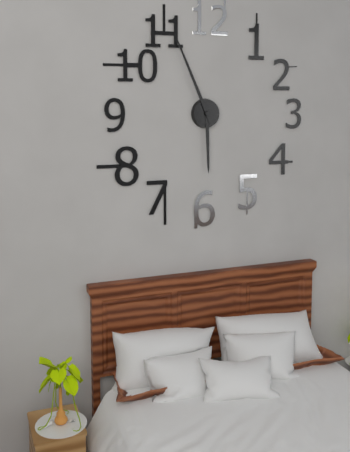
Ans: 5:56
